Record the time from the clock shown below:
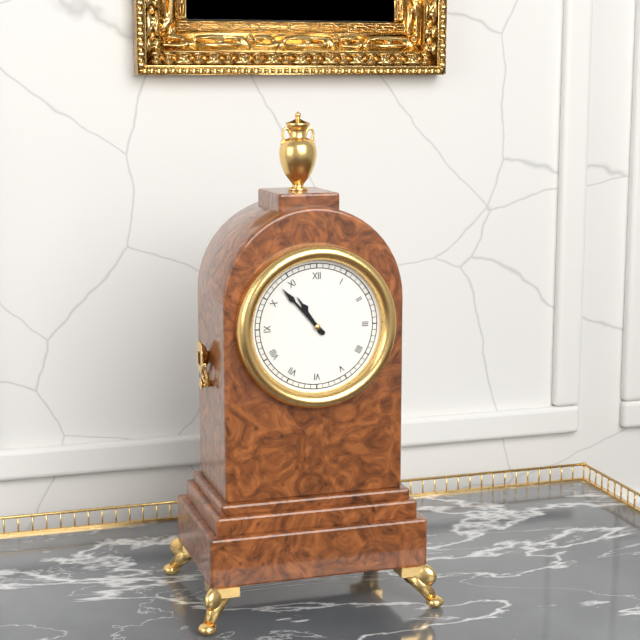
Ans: 10:53
